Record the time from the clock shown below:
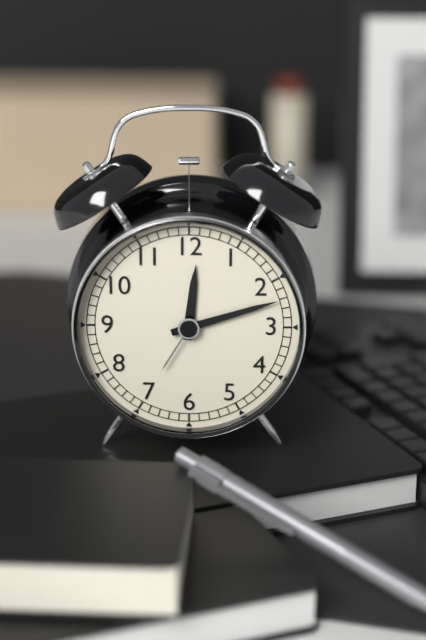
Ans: 12:12
